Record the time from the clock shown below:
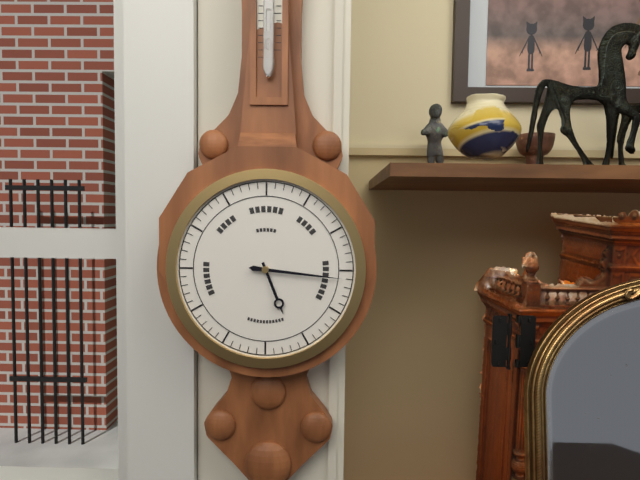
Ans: 5:16
